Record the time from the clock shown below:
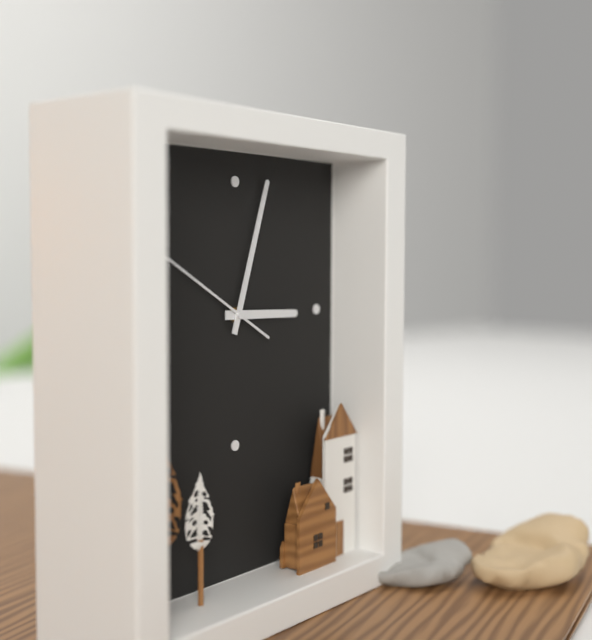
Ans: 3:03:50
